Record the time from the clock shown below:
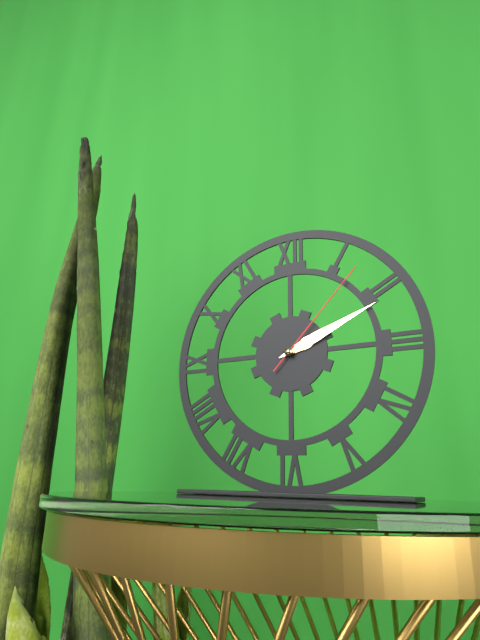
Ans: 2:11:07
